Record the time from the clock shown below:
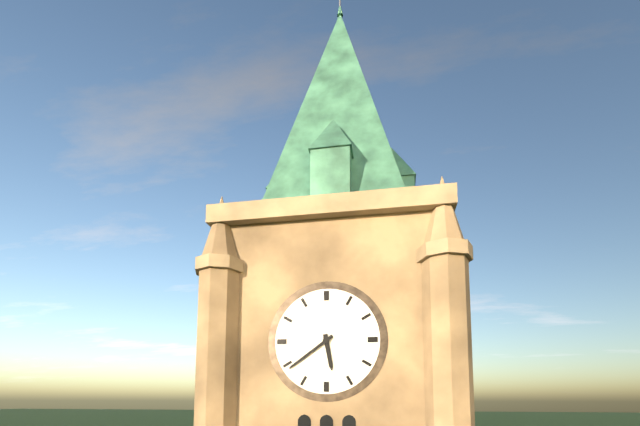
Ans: 5:39
